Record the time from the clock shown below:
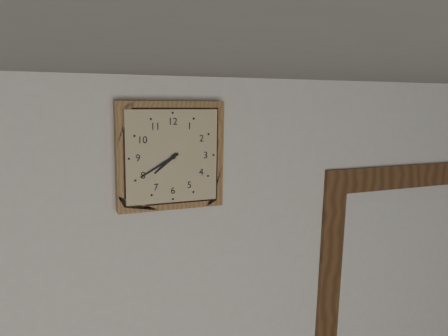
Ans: 7:40
